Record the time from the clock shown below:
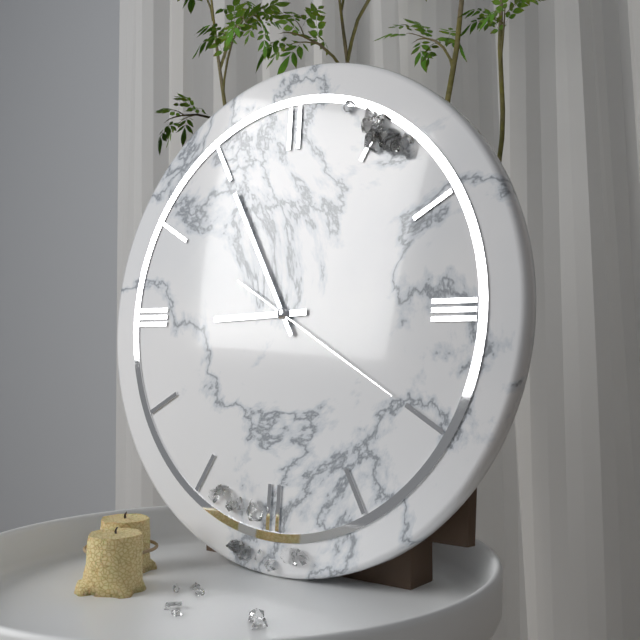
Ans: 8:55:20
